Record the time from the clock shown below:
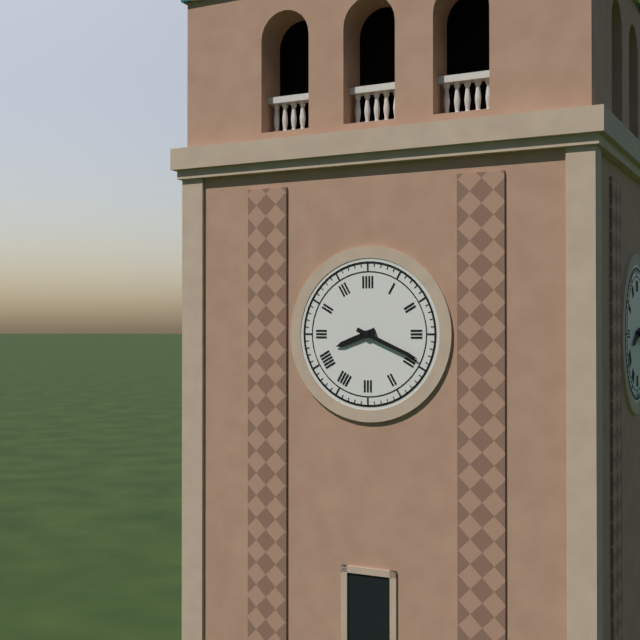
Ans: 8:19
